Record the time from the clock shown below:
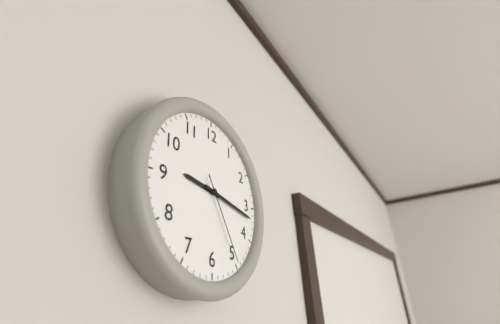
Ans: 9:17:25
